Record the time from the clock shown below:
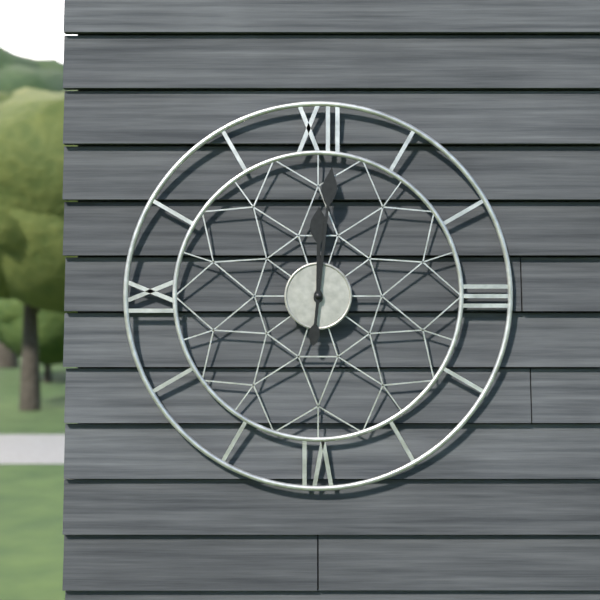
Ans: 12:01
